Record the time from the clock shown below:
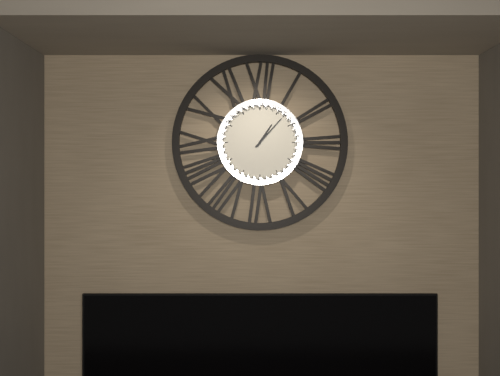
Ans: 1:07
